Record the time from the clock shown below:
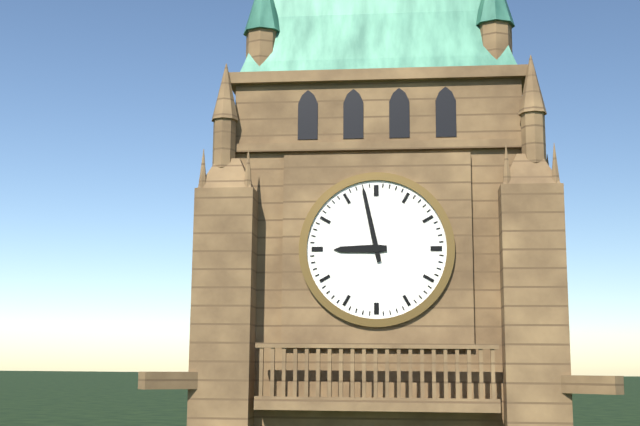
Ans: 8:58
